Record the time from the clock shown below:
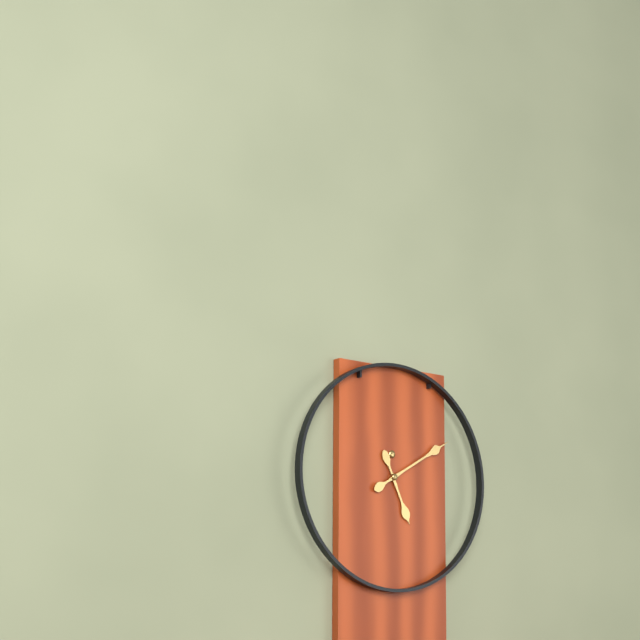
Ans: 5:10
